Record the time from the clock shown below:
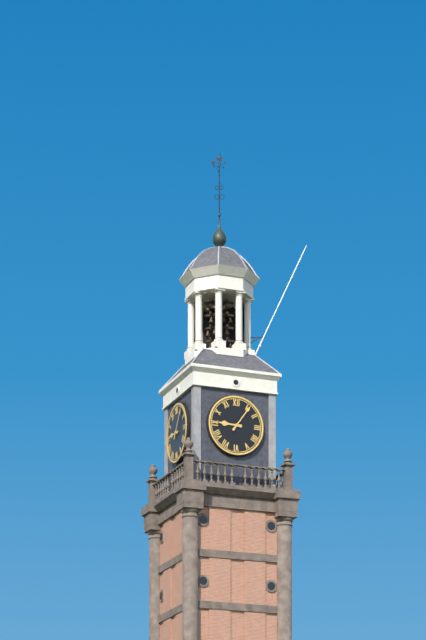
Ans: 9:06
